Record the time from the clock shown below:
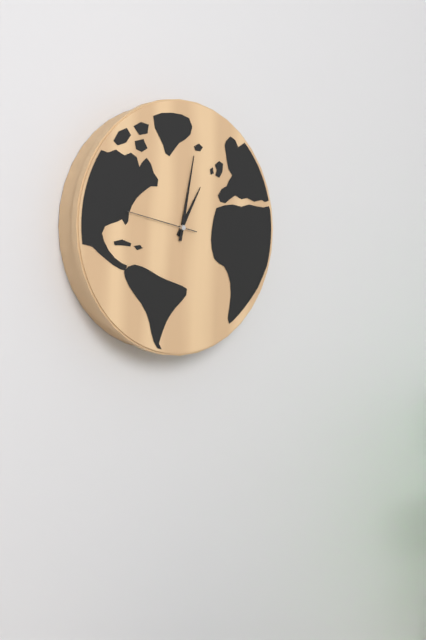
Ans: 1:02:47
